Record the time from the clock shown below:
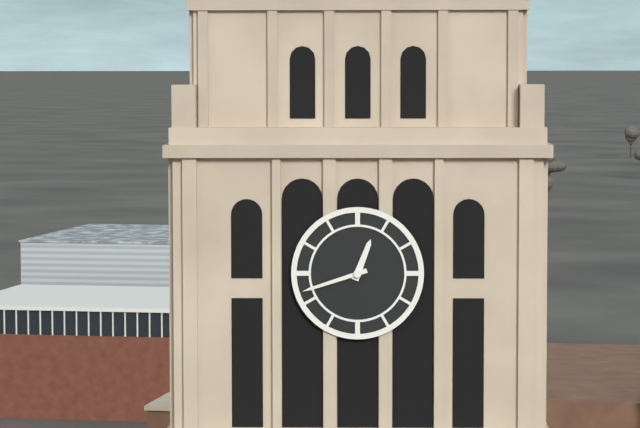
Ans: 12:42
